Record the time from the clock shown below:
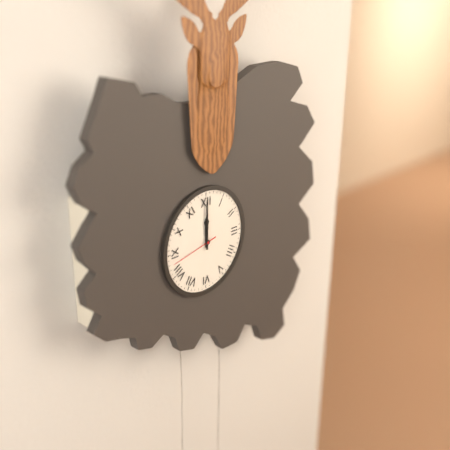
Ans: 12:00
